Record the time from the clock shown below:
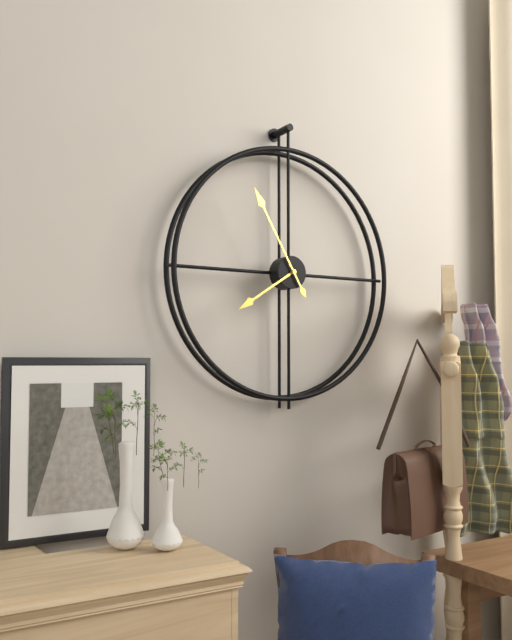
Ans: 7:55
